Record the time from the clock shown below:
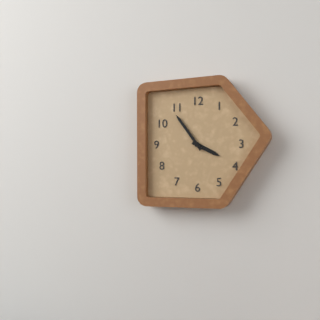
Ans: 3:54
